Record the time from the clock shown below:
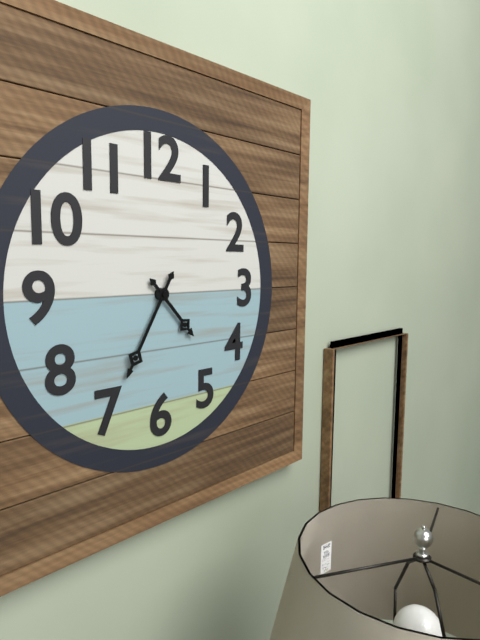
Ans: 4:35
